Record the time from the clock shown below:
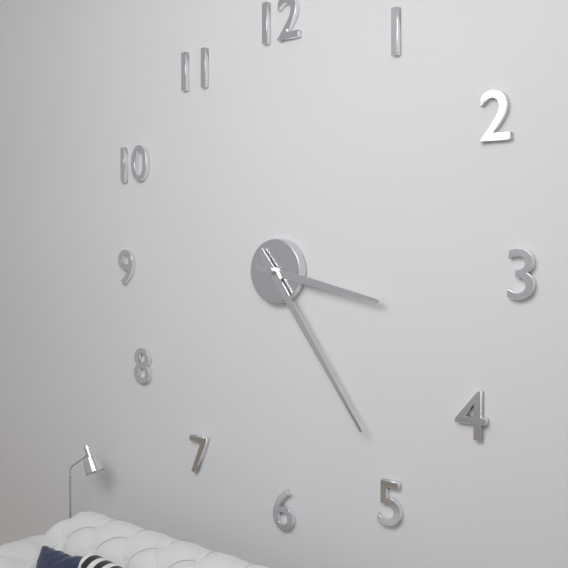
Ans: 3:24
